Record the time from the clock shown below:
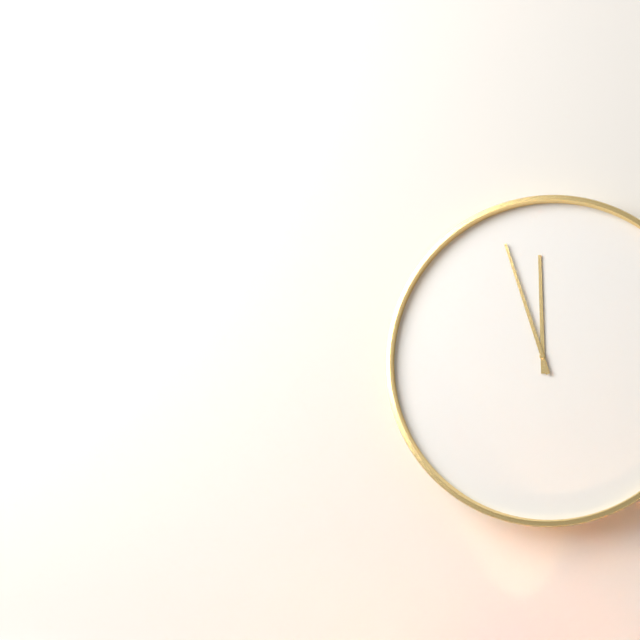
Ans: 11:57
